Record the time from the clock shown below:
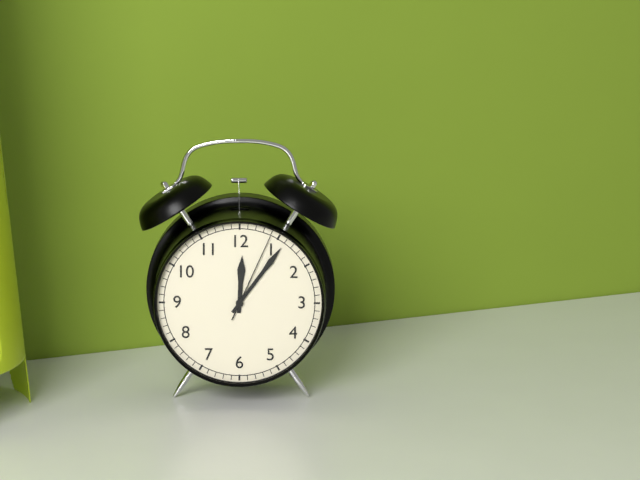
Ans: 12:06:04
